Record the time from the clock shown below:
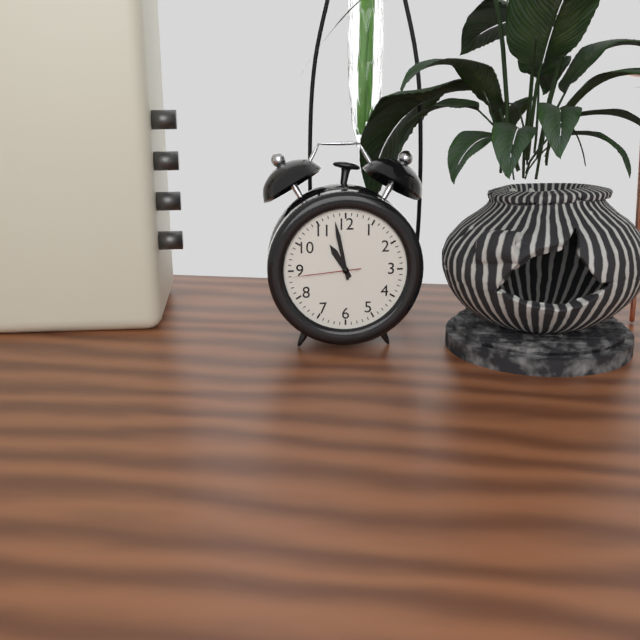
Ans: 10:58:44
